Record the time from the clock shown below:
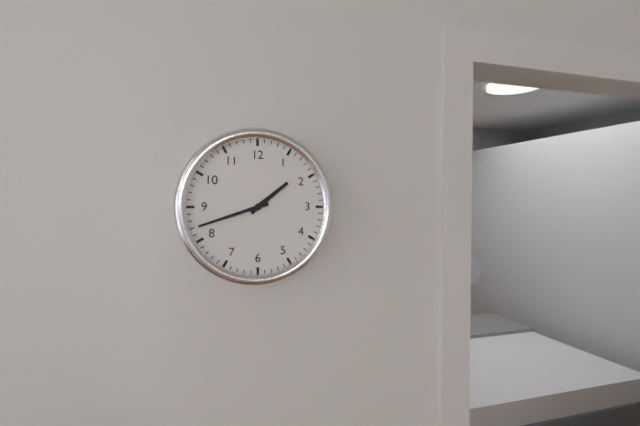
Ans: 1:42
